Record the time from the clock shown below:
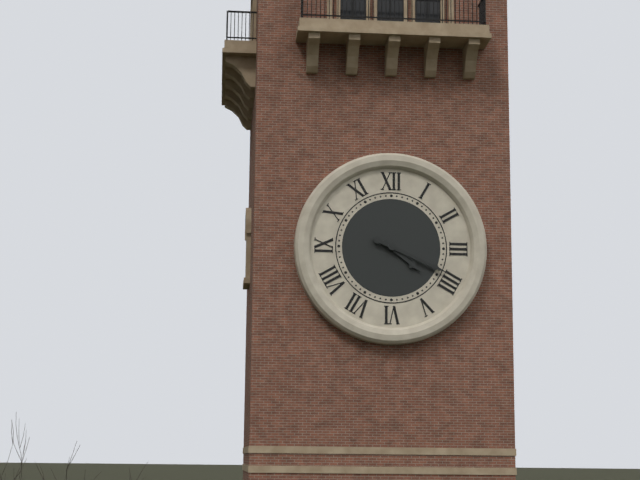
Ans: 4:19
